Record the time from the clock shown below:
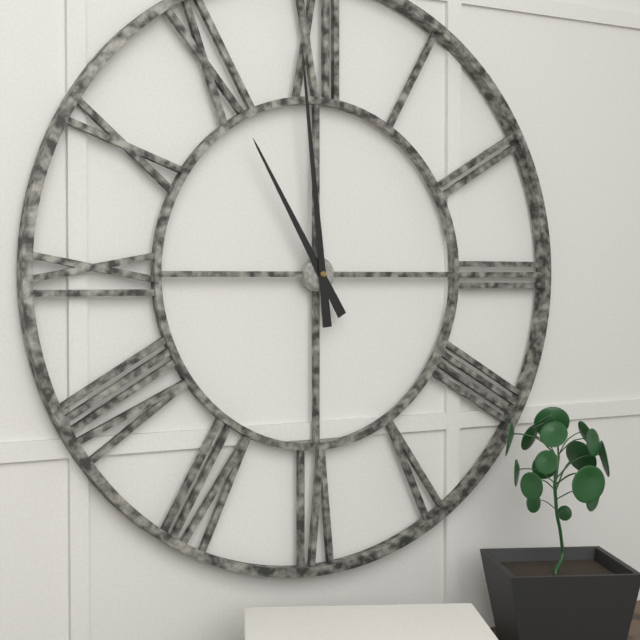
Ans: 10:59
